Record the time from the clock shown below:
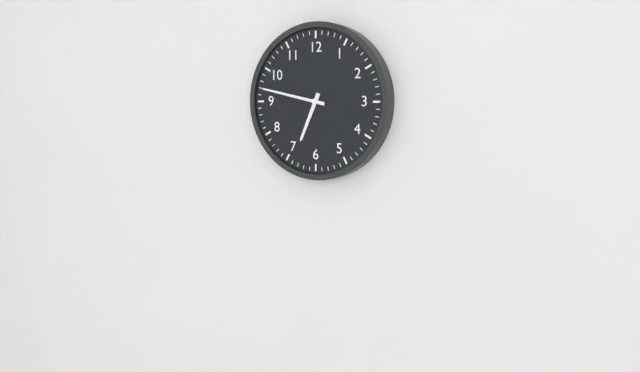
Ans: 6:47
